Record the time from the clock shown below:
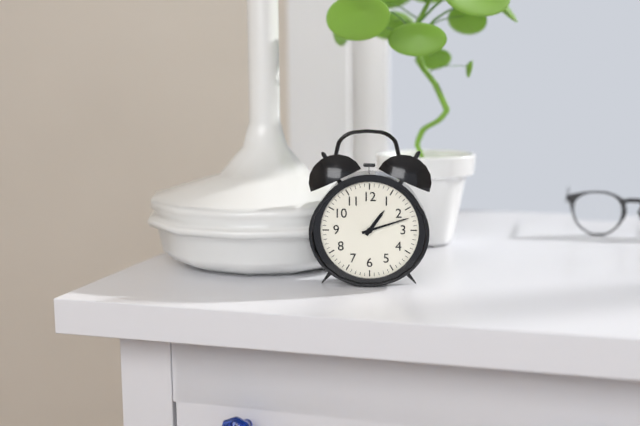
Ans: 1:12
